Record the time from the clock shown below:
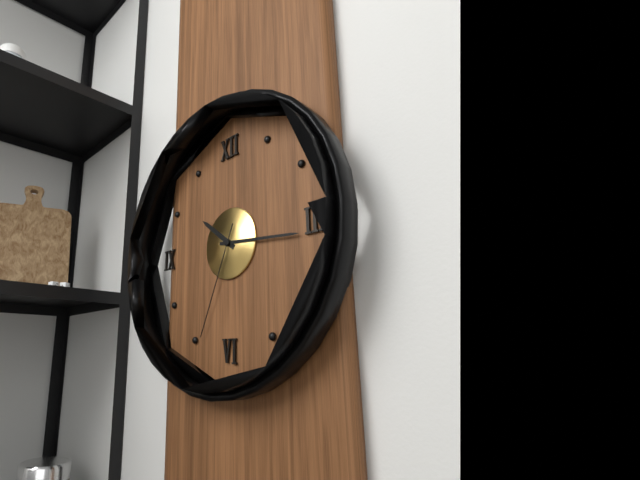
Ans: 10:16:34
